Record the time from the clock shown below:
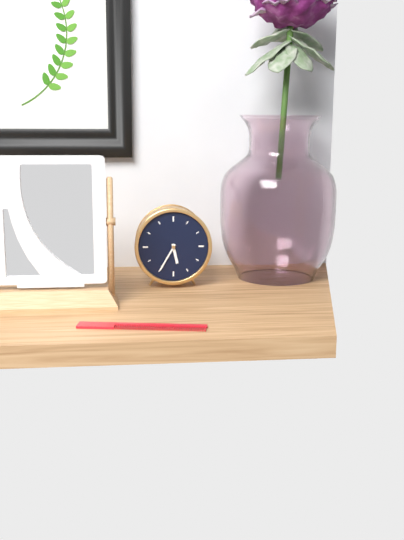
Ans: 5:35
